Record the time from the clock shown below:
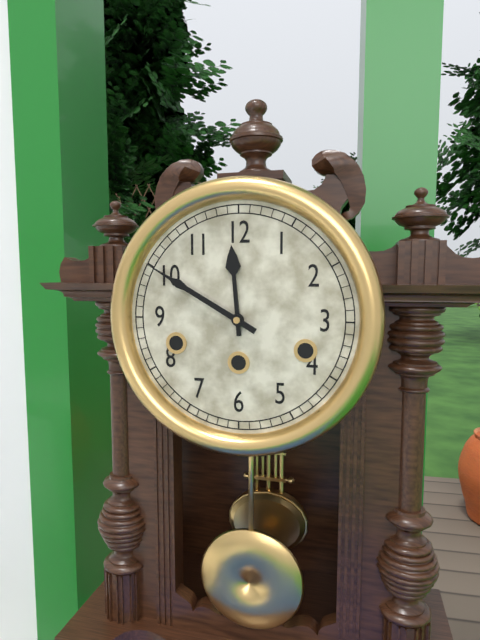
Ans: 11:50
